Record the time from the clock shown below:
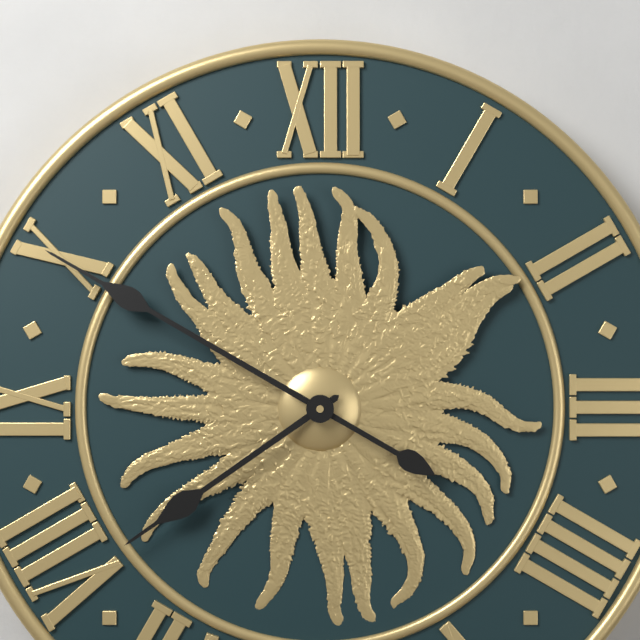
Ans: 7:50
